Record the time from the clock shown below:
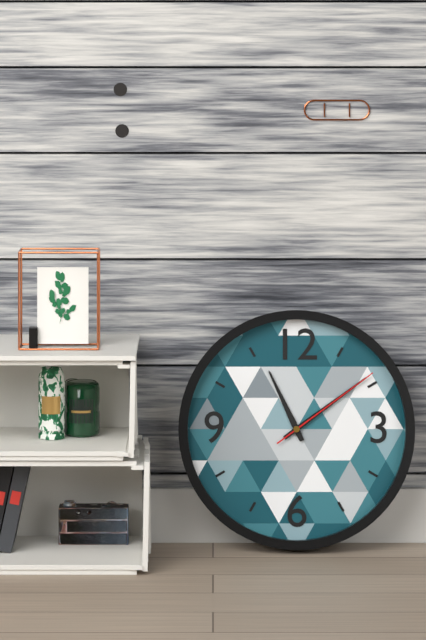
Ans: 11:09:09
